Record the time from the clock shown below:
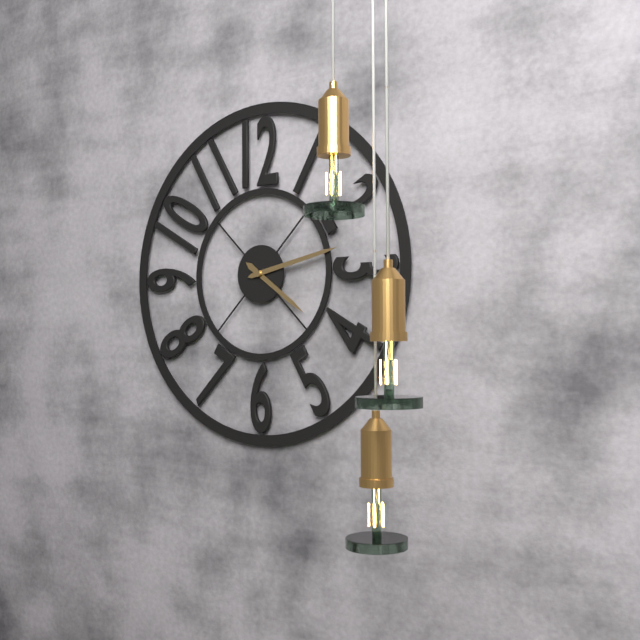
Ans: 4:13
